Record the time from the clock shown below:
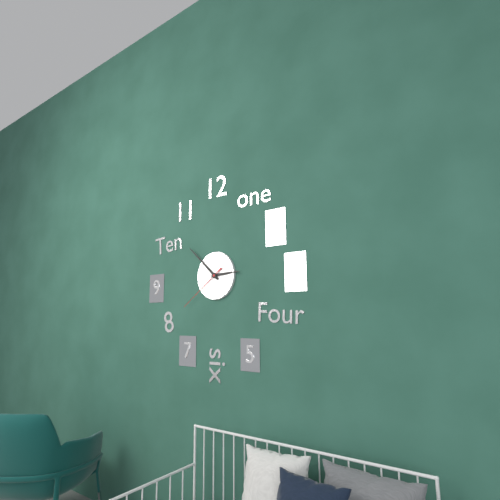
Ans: 2:52:39
